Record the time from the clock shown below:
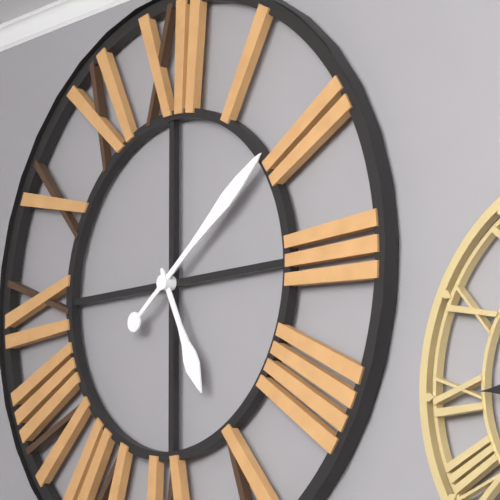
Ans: 5:09
